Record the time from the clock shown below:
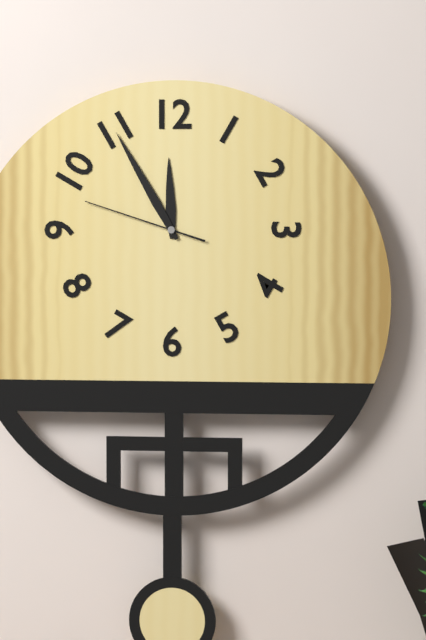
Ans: 11:55:48
